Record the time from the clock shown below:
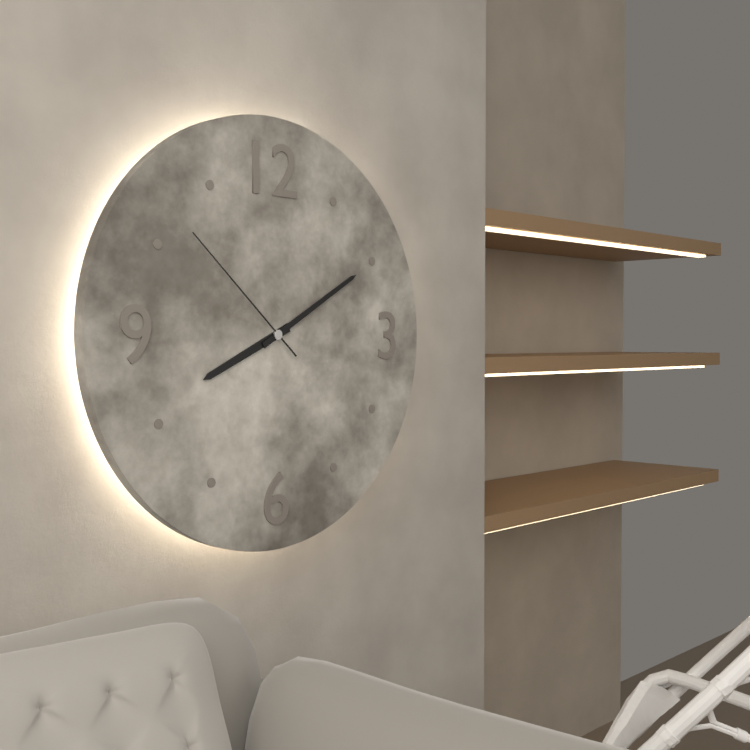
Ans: 8:10:52
